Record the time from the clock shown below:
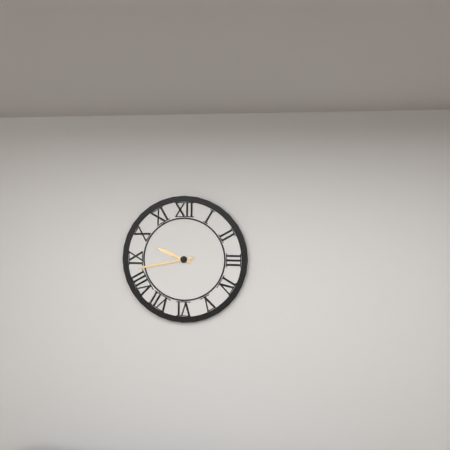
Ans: 9:43
